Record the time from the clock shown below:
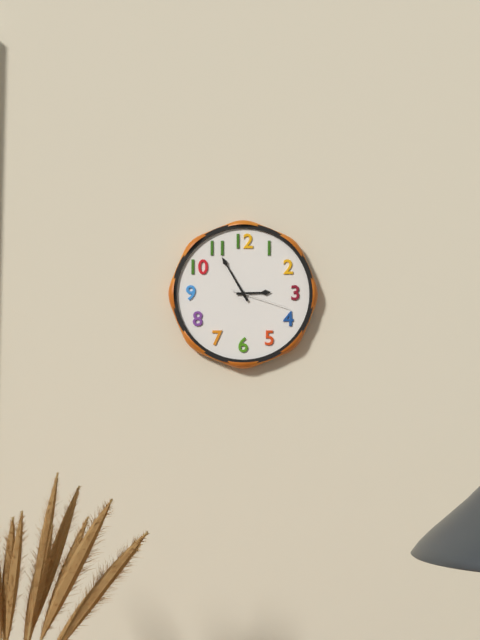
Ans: 2:55:18
